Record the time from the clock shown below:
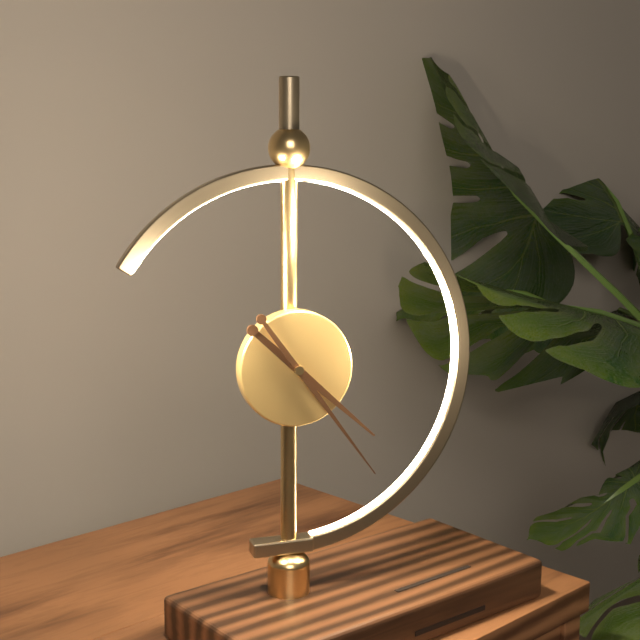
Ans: 4:24
